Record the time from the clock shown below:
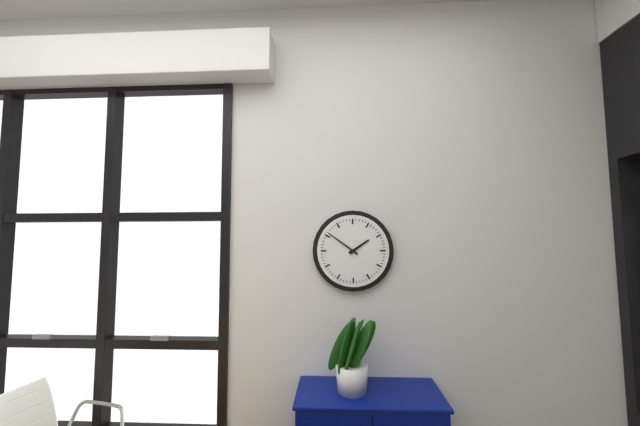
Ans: 1:51
